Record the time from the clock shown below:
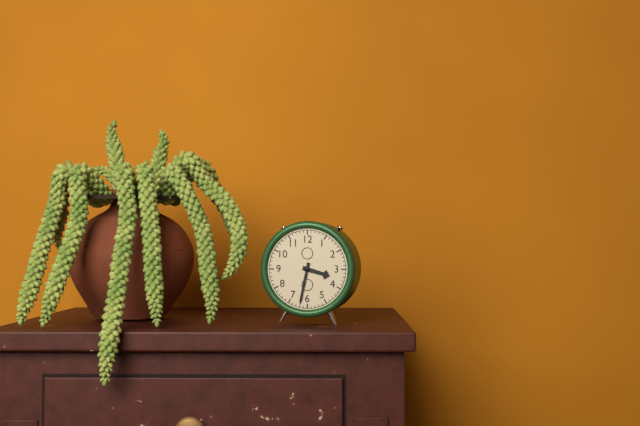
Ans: 3:32
